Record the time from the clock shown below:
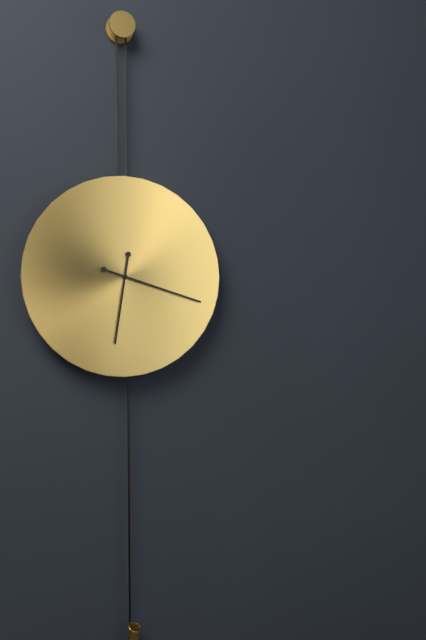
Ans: 6:18
